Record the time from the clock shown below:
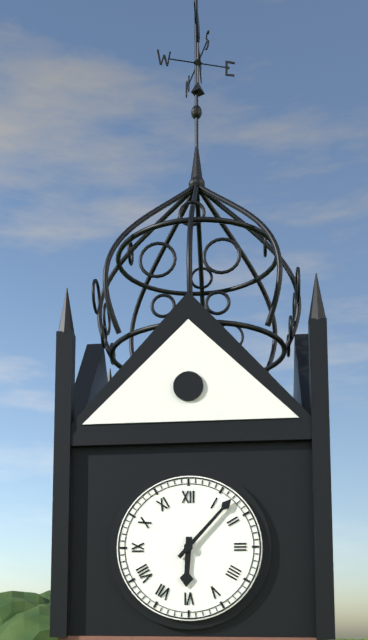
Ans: 6:07
